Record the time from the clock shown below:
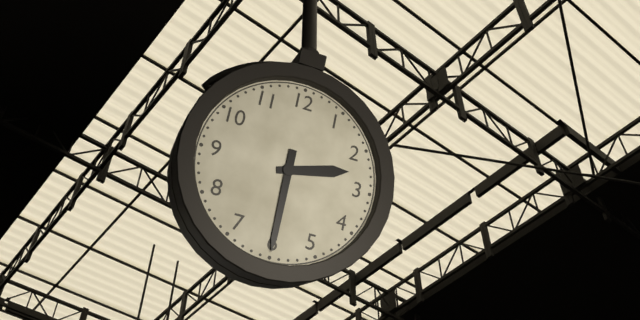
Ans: 2:30
